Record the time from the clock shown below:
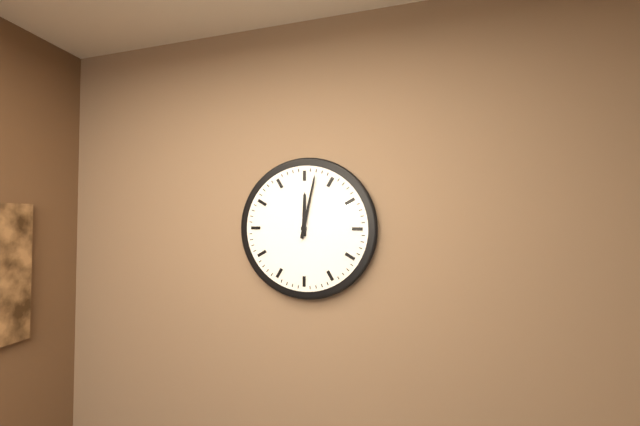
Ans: 12:02
